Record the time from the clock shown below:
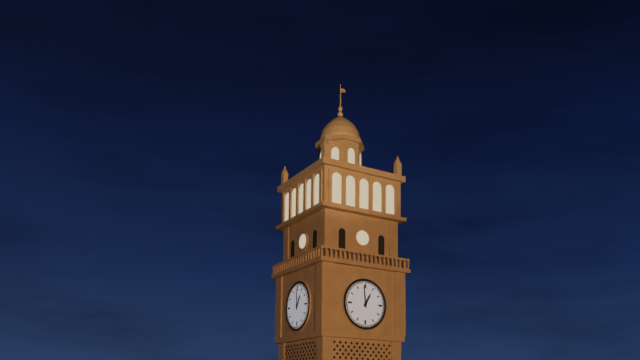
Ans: 12:59
